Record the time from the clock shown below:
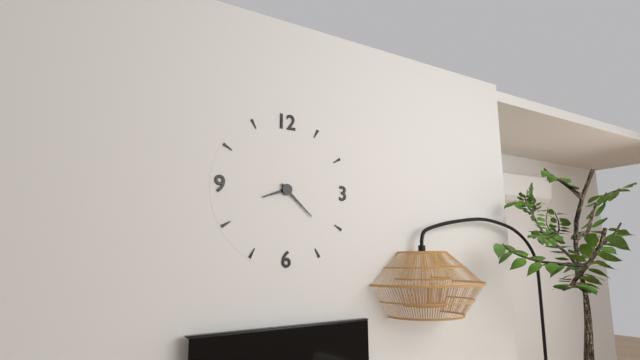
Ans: 8:22
